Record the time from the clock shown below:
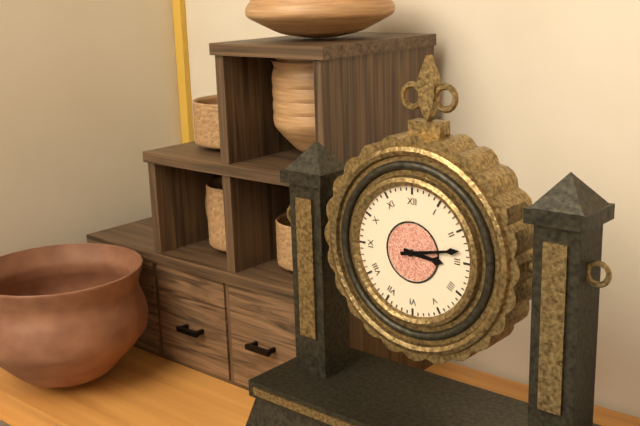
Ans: 3:13
